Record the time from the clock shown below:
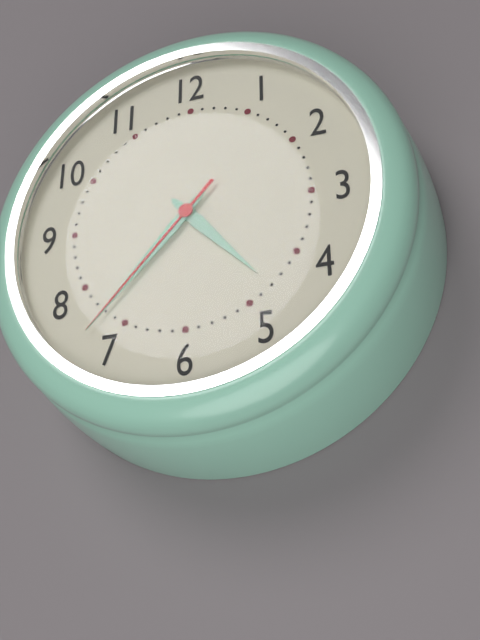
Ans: 4:37:37
